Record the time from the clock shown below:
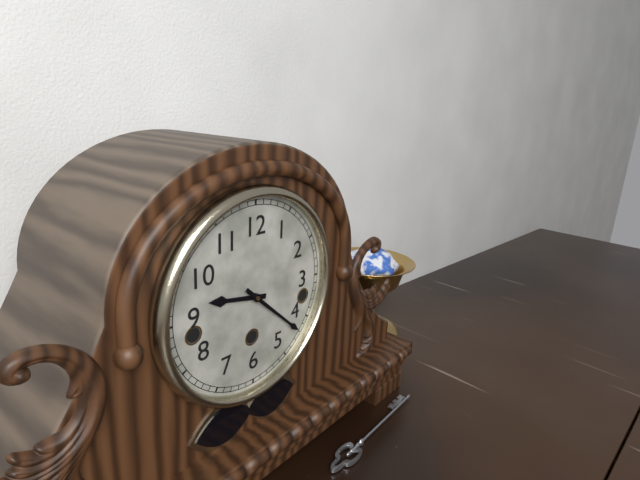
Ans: 9:22
